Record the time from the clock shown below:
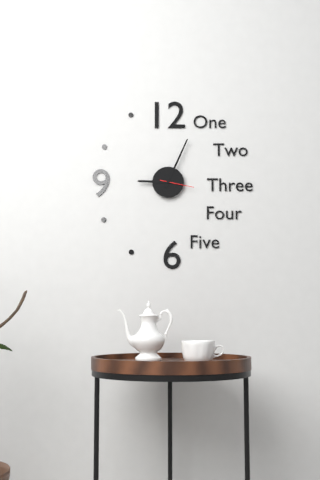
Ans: 9:04
